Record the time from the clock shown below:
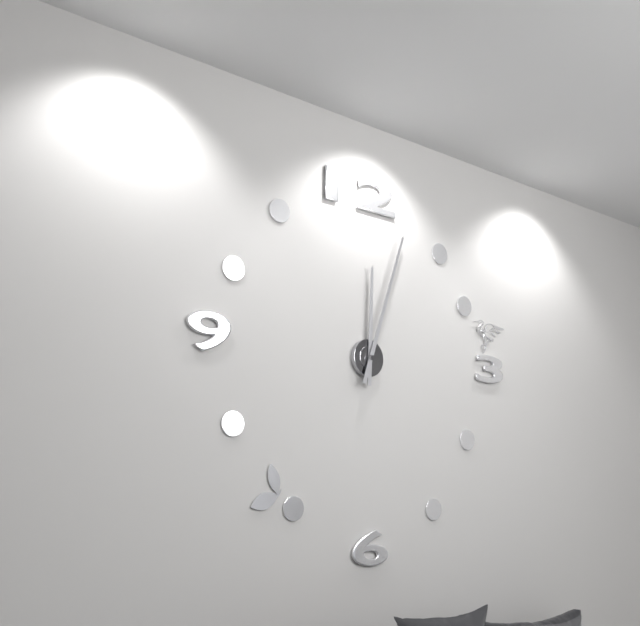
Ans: 12:03
